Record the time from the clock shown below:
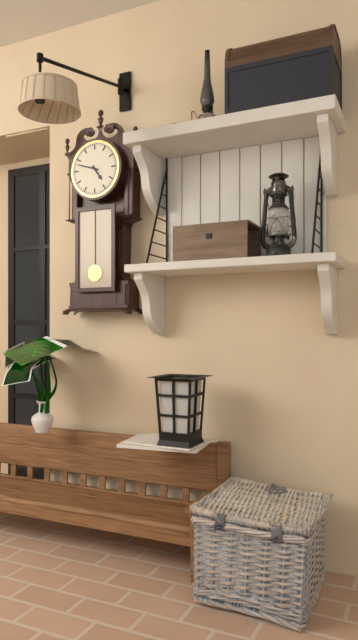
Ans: 4:48
